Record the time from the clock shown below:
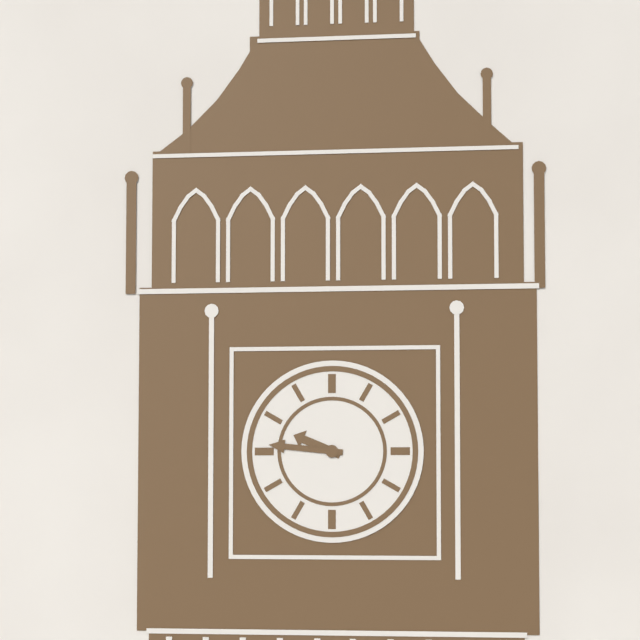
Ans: 9:46
